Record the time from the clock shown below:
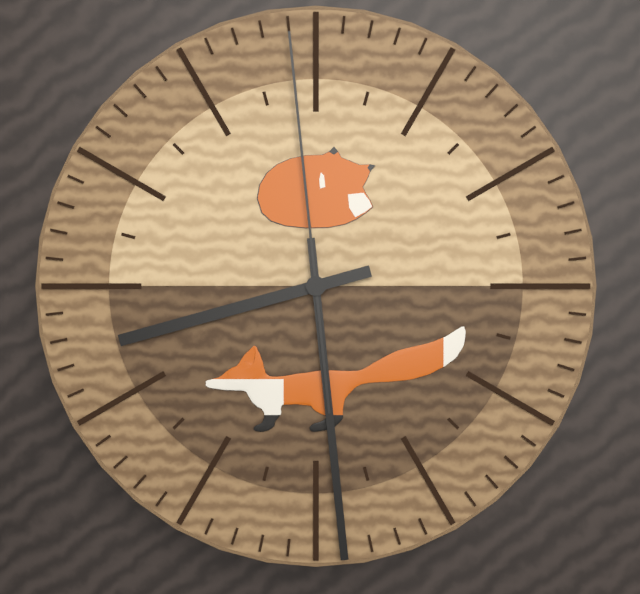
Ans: 8:29:59
